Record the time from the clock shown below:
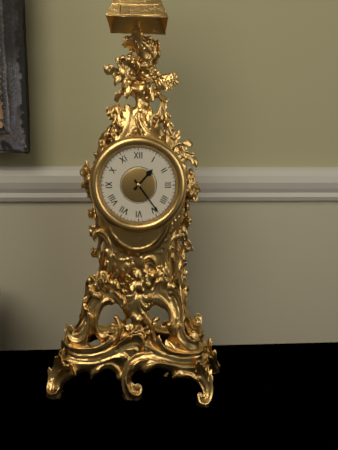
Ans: 1:24
